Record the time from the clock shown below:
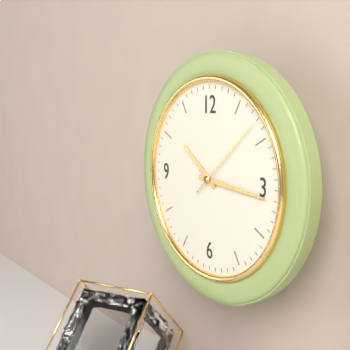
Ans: 10:16:08
